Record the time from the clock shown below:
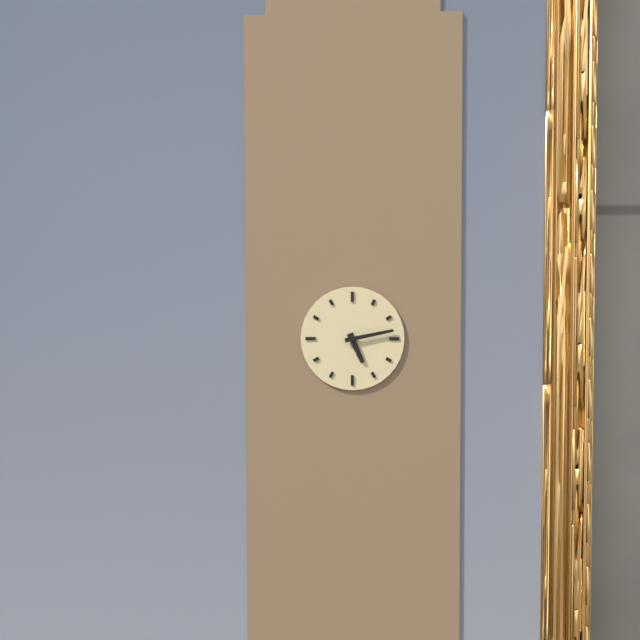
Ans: 5:13
